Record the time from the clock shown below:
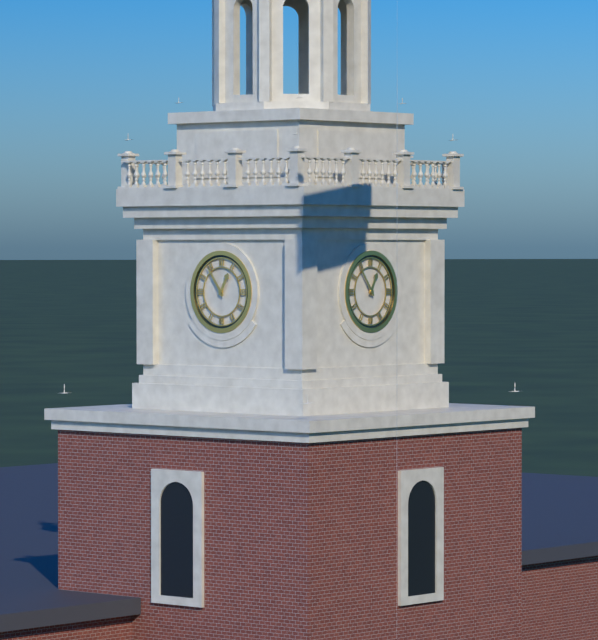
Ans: 12:54
